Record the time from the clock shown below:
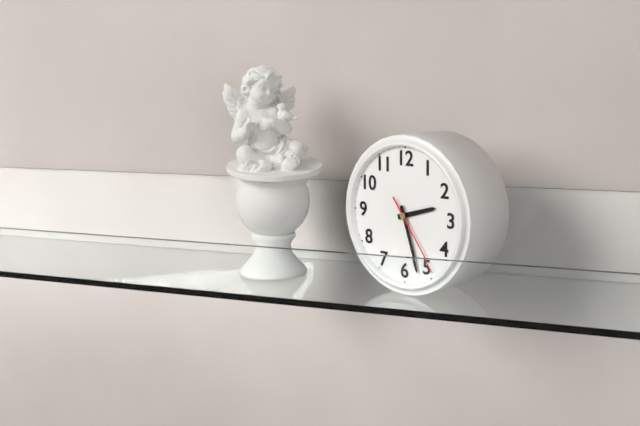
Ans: 2:27:24
